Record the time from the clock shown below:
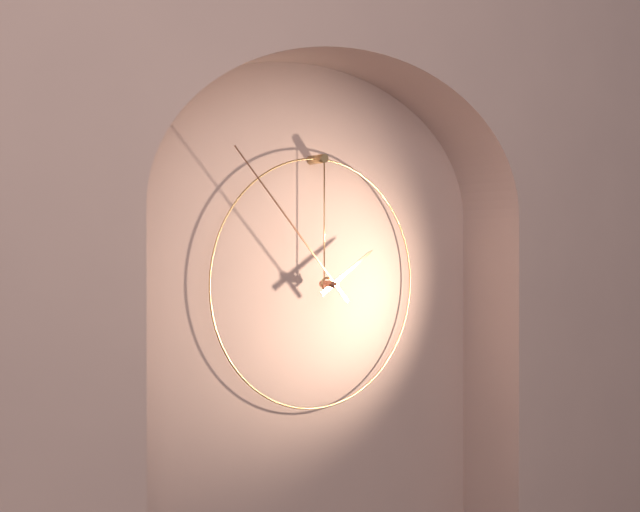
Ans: 1:53
